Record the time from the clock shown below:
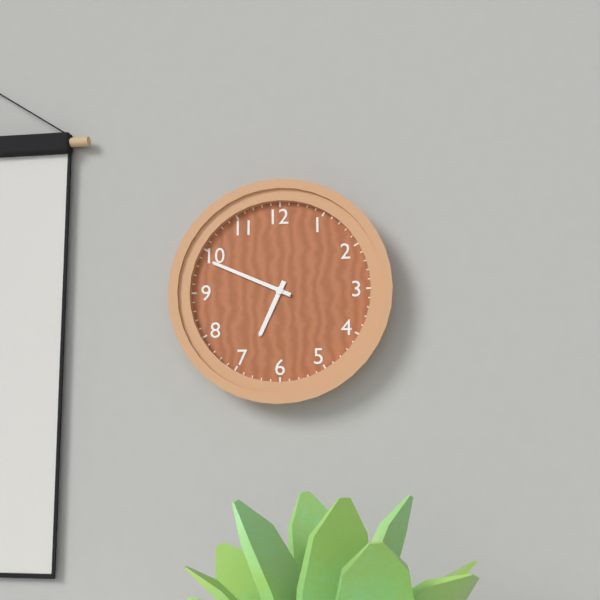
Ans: 6:49
